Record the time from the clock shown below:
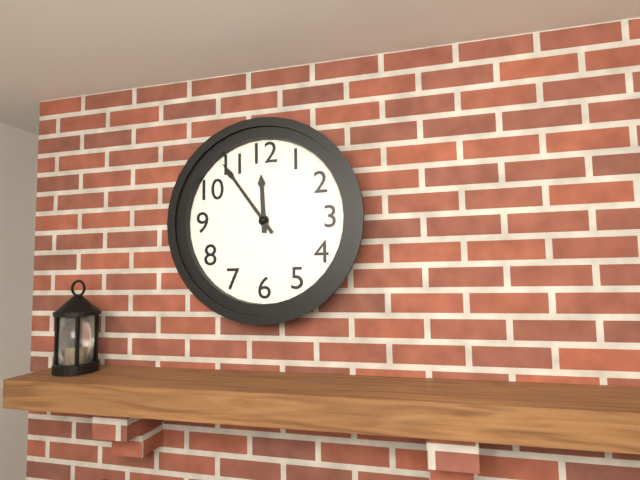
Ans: 11:54
